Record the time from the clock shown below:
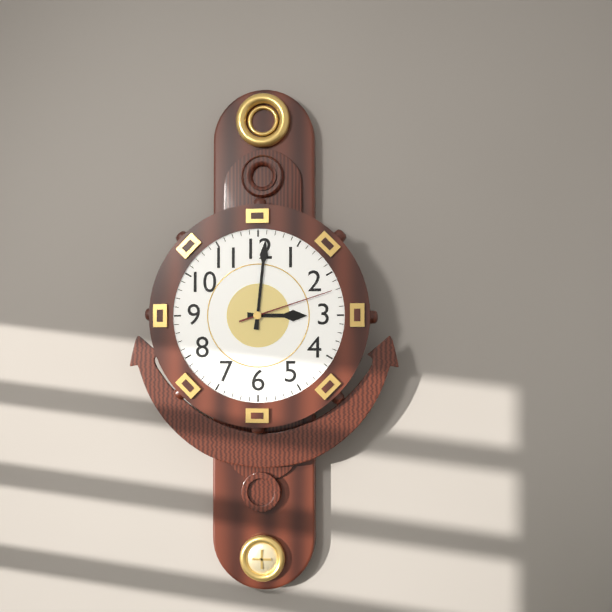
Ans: 3:01:12
